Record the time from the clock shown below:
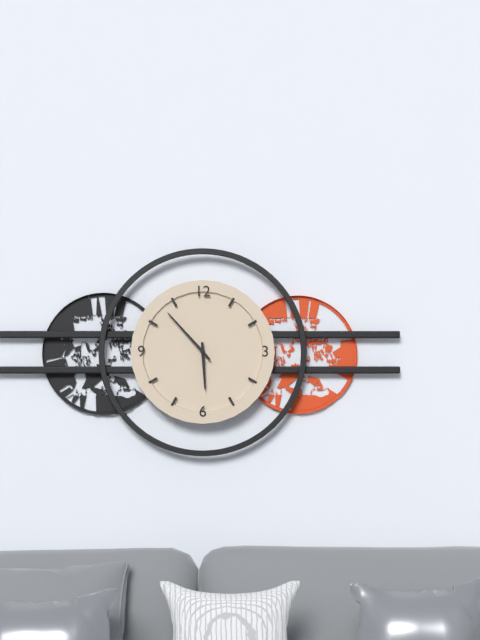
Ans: 5:53
